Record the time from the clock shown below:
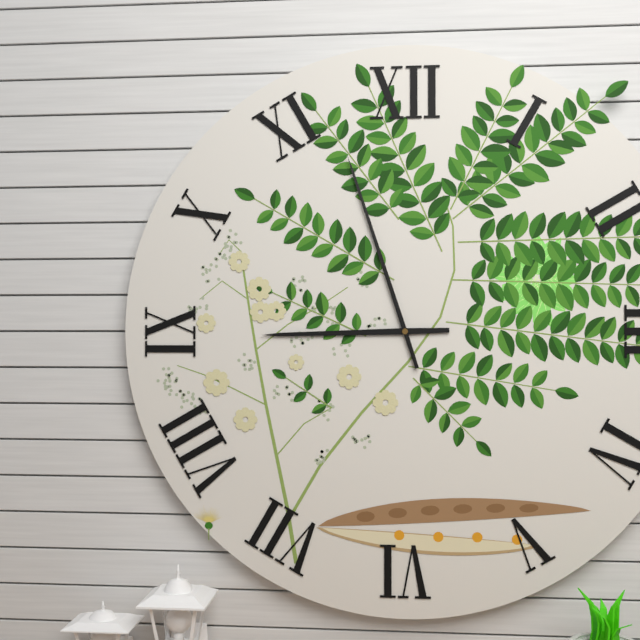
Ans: 8:57
